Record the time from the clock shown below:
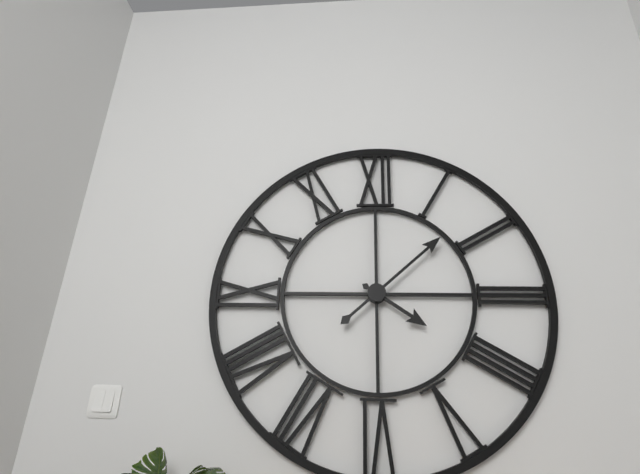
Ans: 4:08
